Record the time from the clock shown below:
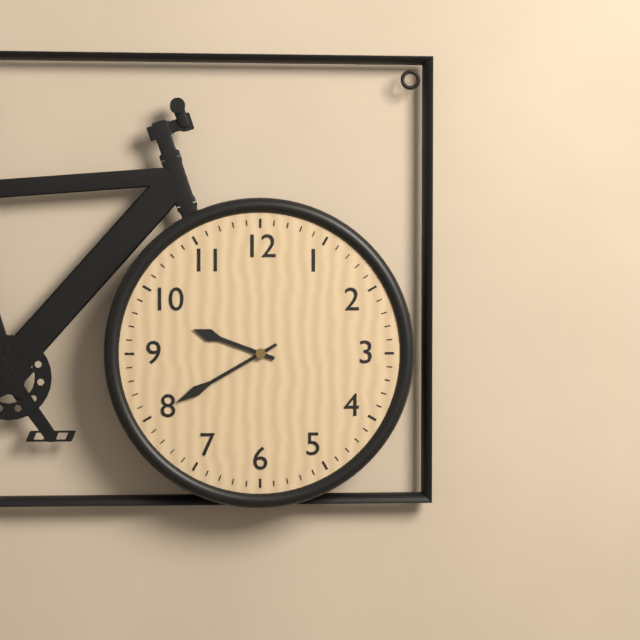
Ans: 9:40
